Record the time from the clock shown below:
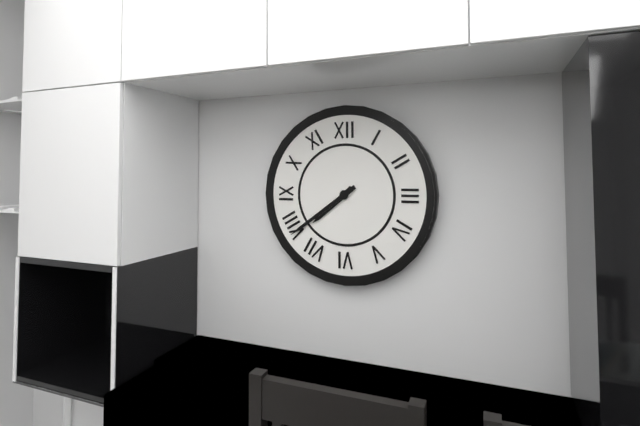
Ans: 7:39
